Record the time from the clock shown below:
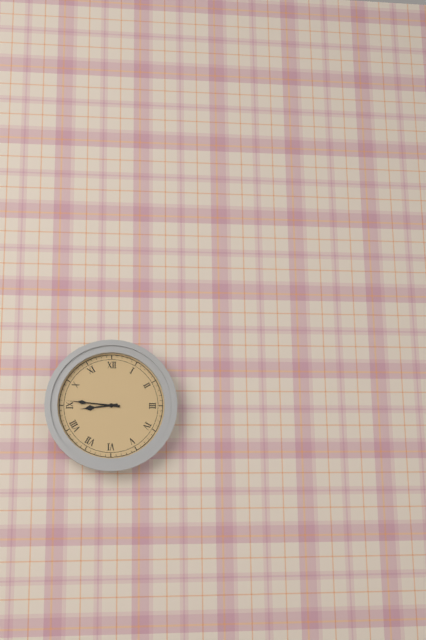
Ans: 8:46
